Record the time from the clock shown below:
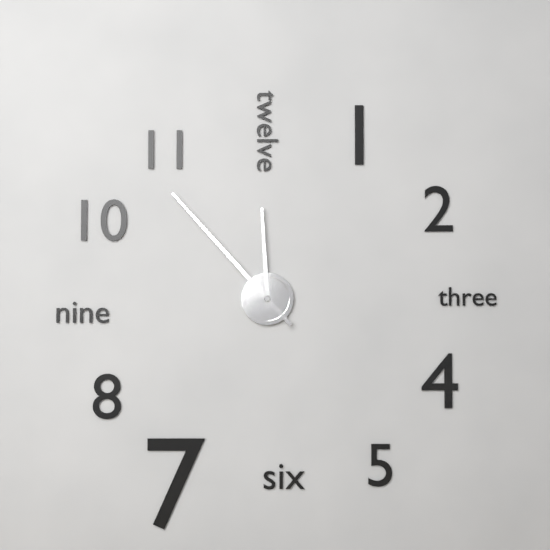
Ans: 11:53
